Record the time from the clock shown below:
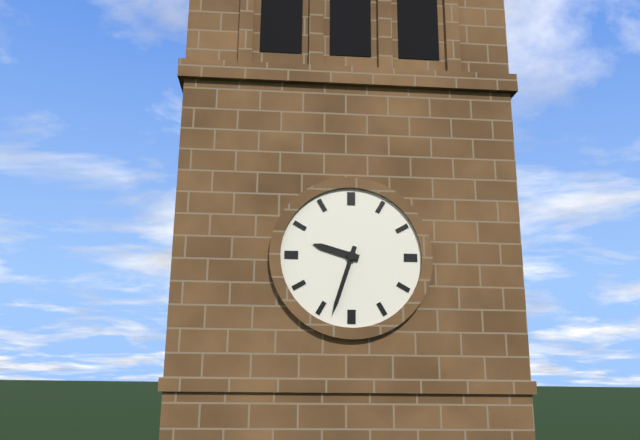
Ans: 9:33
